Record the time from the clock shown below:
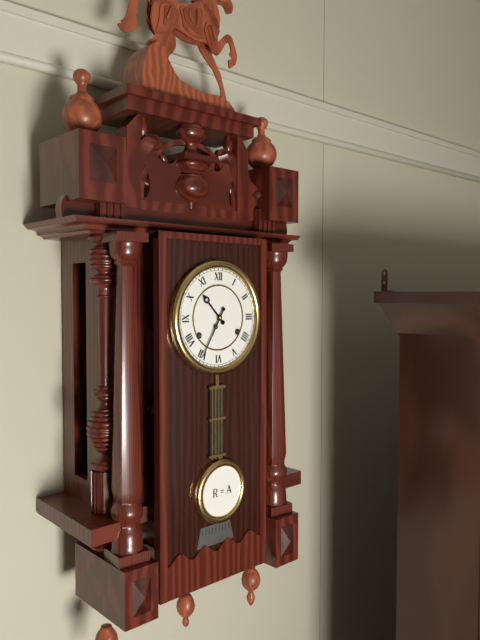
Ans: 10:35
